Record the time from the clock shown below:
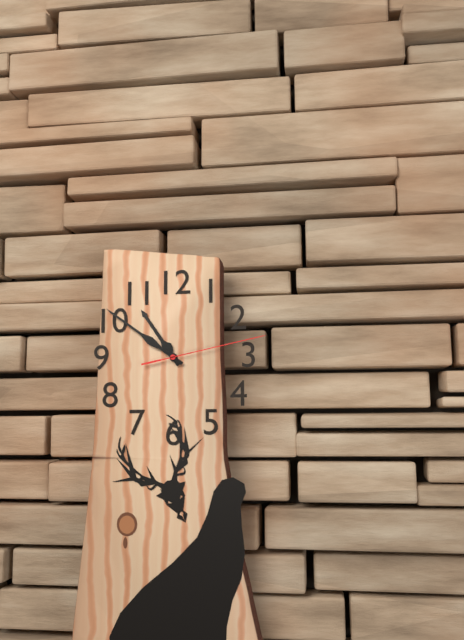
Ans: 10:51:13
